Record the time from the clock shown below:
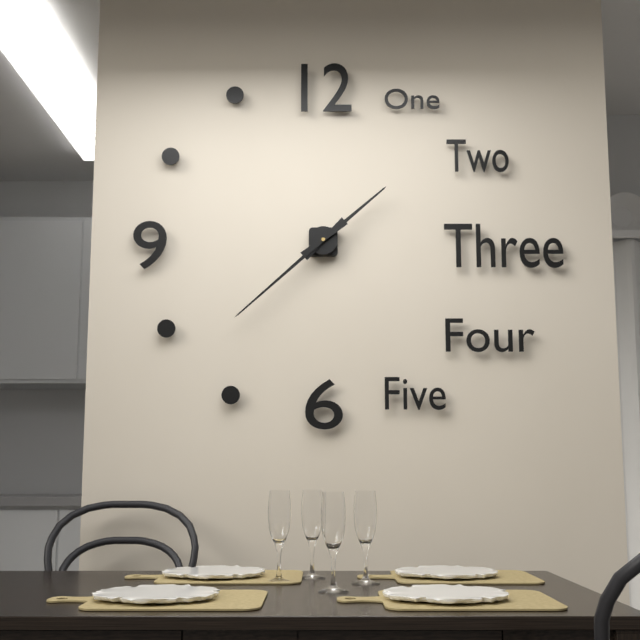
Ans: 1:38
